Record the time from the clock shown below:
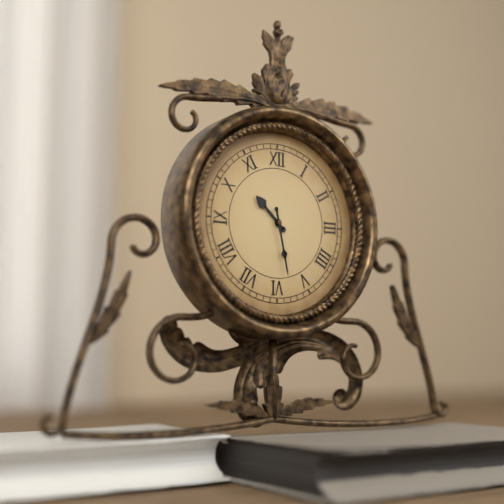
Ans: 10:28
